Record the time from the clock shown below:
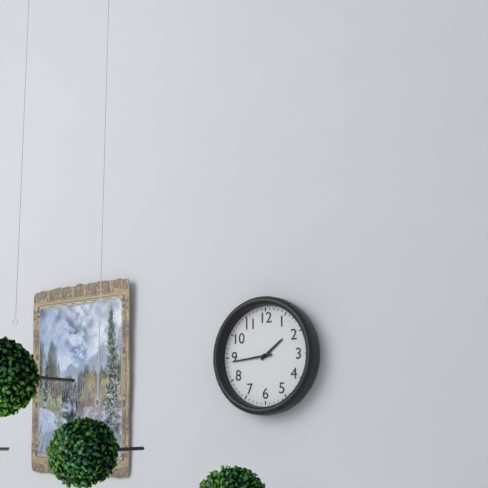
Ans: 1:44
